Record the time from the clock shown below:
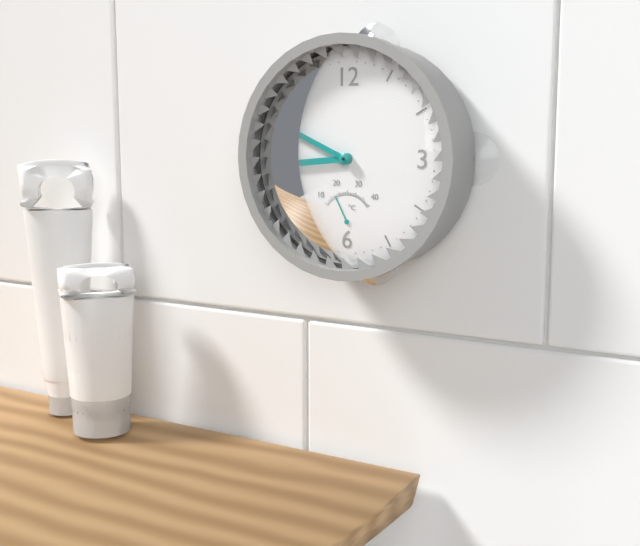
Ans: 8:49
